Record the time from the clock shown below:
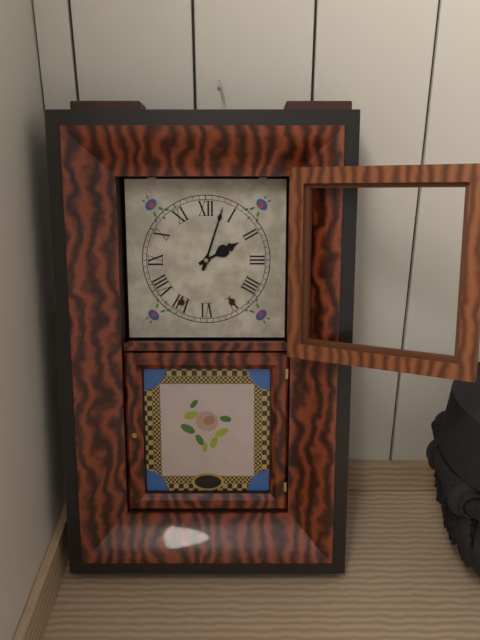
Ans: 2:03
